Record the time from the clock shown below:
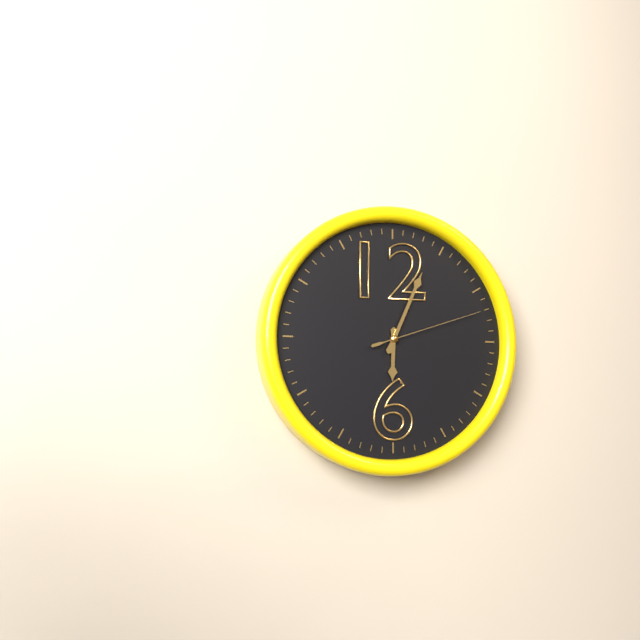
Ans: 6:04:12
